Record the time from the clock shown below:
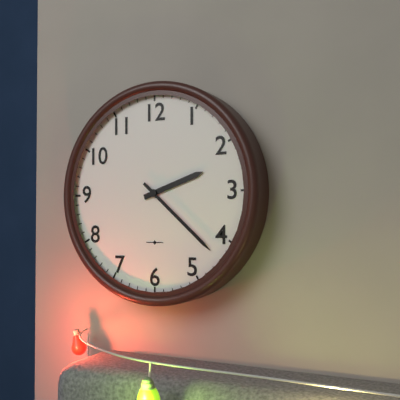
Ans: 2:22
